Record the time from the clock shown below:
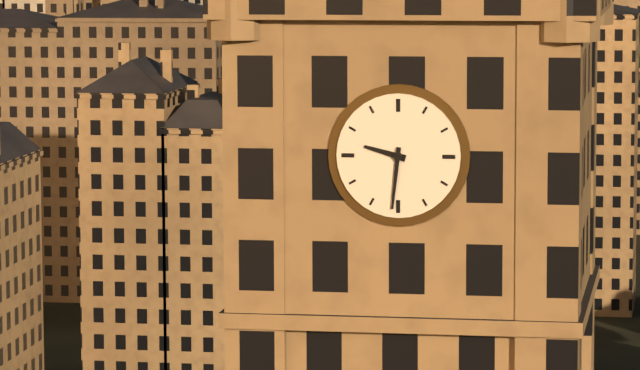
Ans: 9:31
